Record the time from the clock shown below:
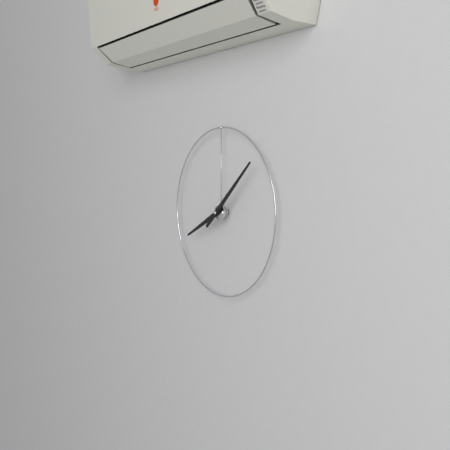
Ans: 8:08
